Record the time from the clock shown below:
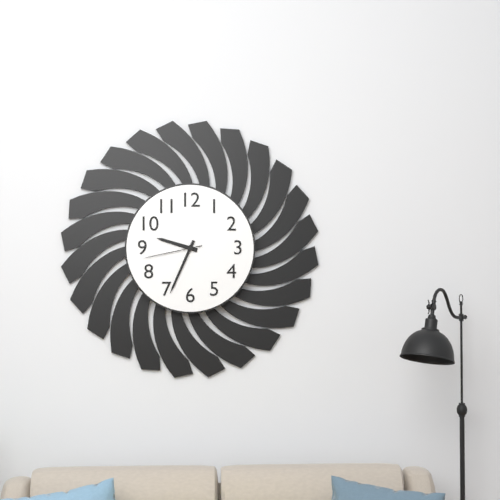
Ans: 9:34:43
